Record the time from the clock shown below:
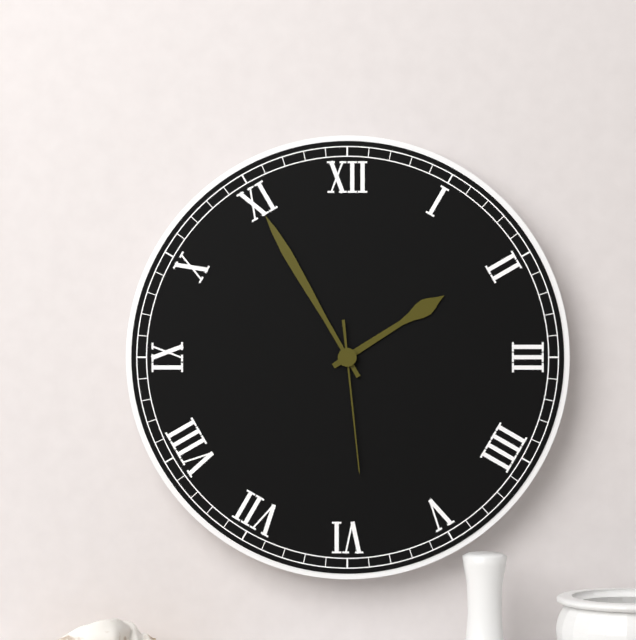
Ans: 1:55:29
